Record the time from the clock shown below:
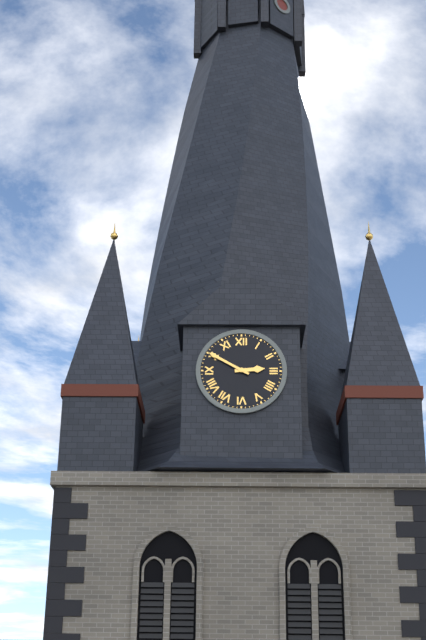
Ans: 2:50
